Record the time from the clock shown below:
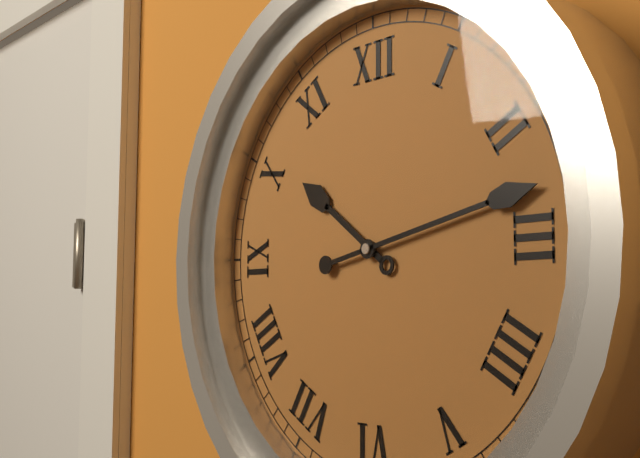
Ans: 10:13
